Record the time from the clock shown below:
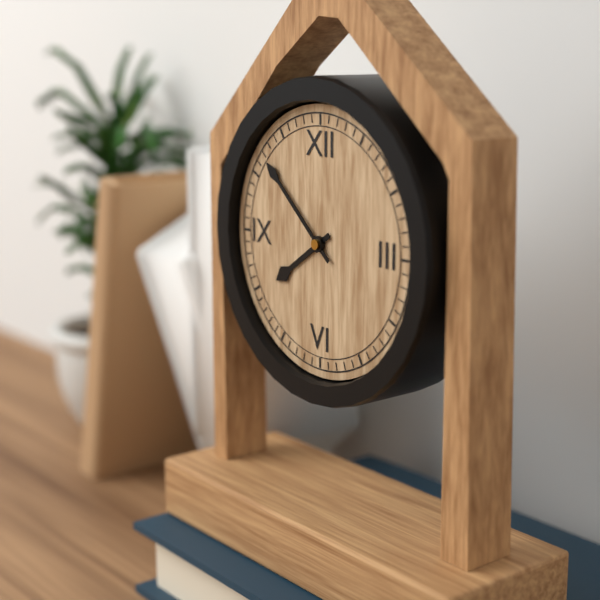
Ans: 7:52
